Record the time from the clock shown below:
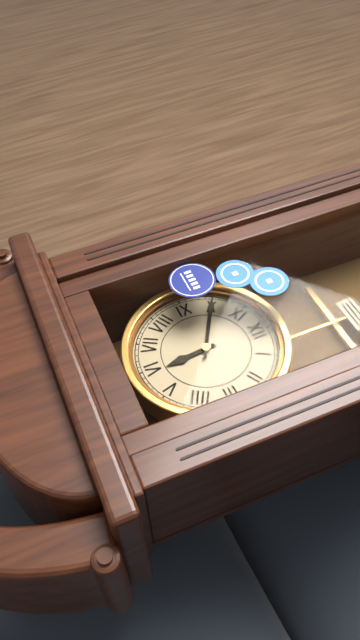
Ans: 5:50
